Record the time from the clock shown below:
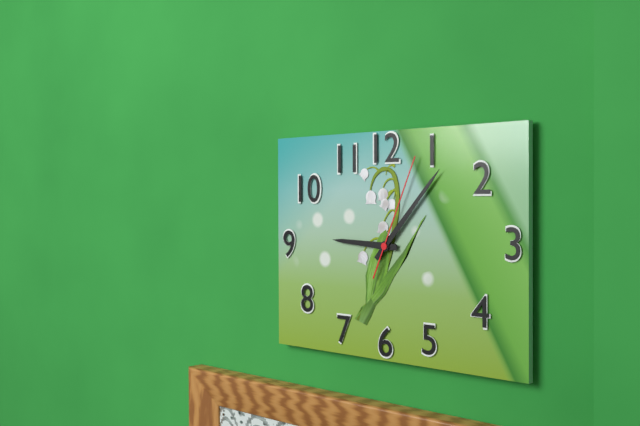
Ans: 9:07:04
